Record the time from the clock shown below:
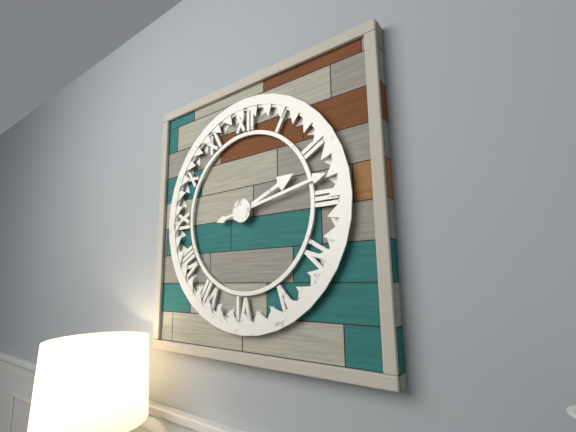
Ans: 2:13
